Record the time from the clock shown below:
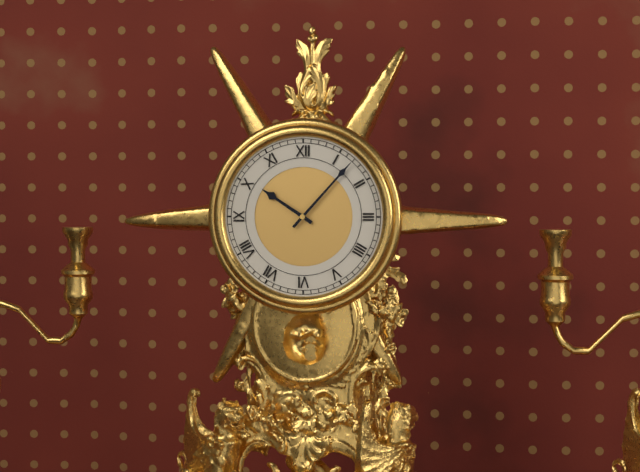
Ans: 10:07
